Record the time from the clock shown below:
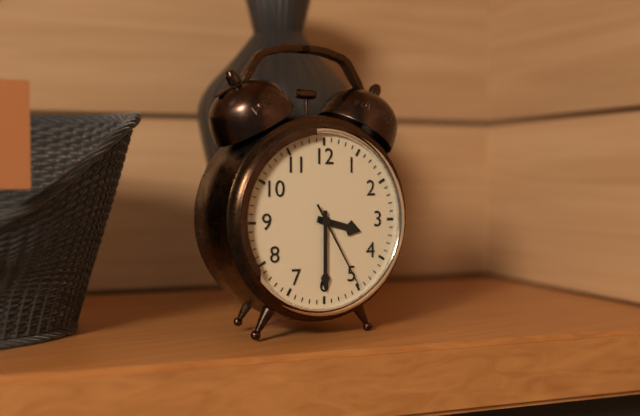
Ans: 3:30:25
